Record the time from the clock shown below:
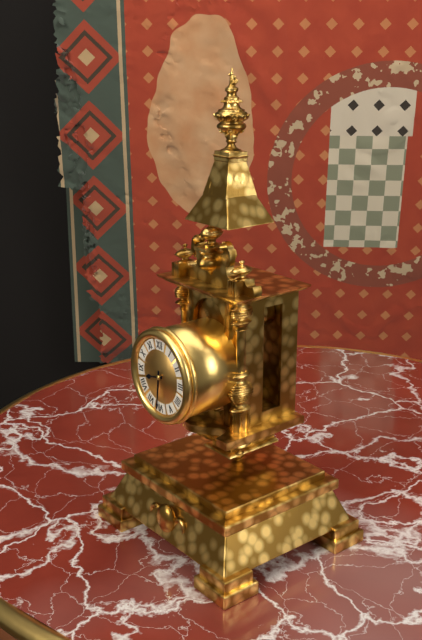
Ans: 8:31
